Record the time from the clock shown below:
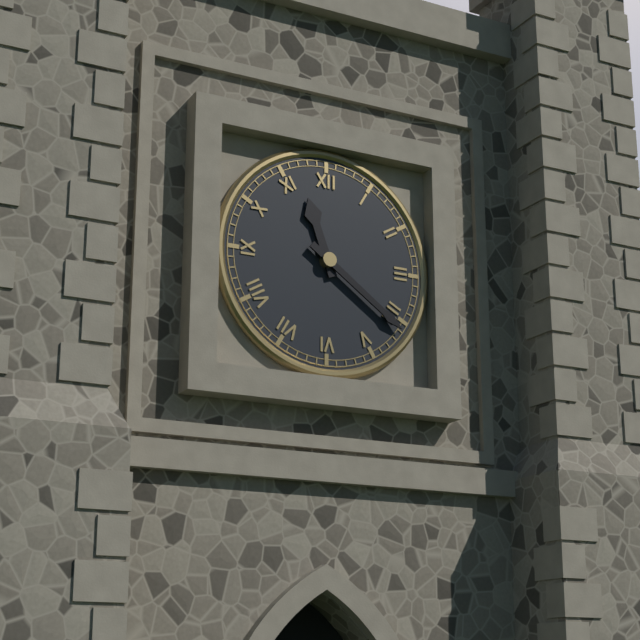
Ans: 11:21
